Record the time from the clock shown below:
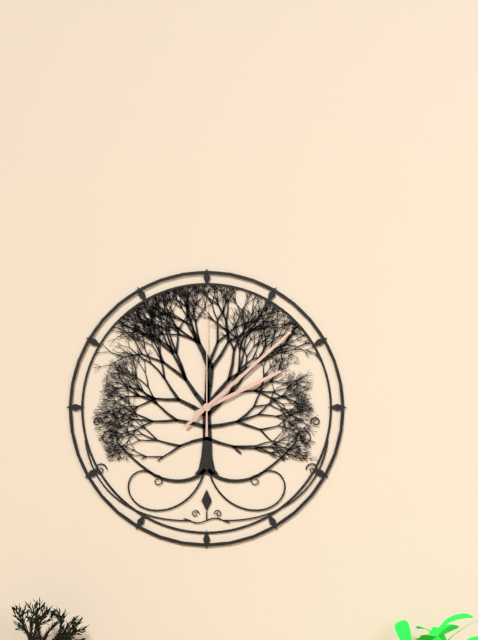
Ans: 2:08:00
